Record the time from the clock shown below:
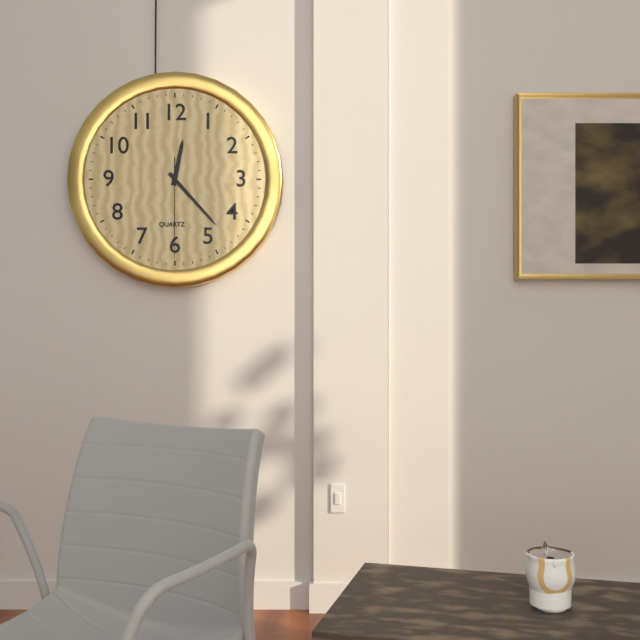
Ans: 12:23:30
